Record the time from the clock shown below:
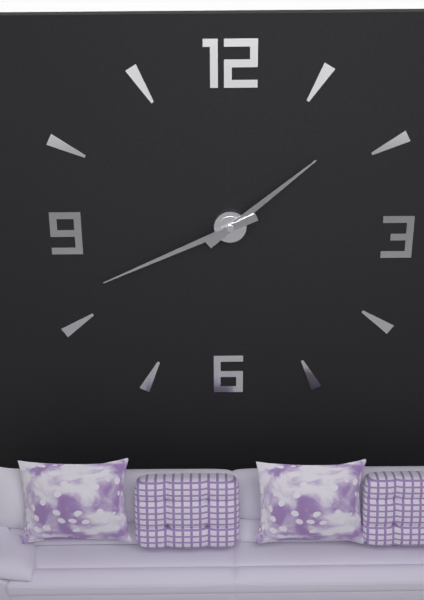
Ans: 1:41
